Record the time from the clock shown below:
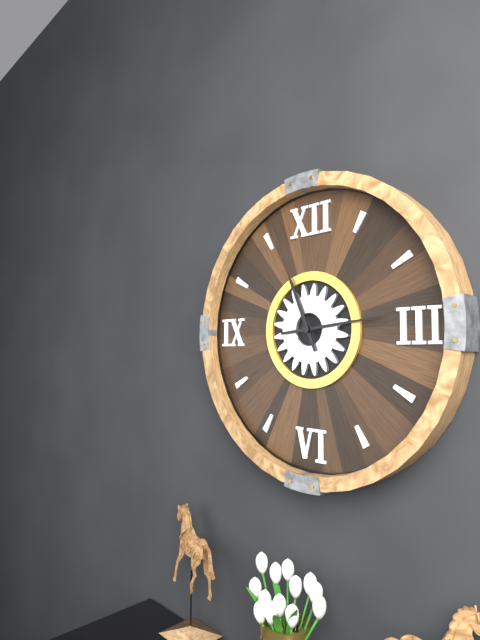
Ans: 11:14
